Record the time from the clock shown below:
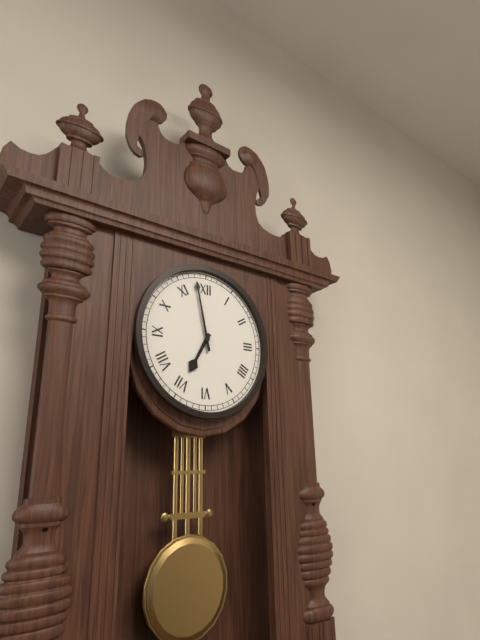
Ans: 6:58
